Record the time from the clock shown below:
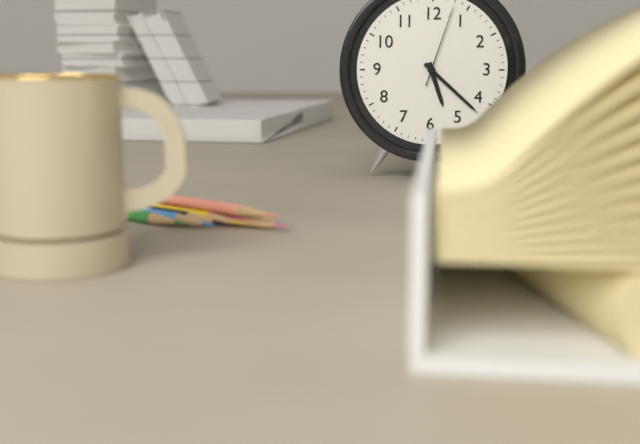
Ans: 5:22:03
